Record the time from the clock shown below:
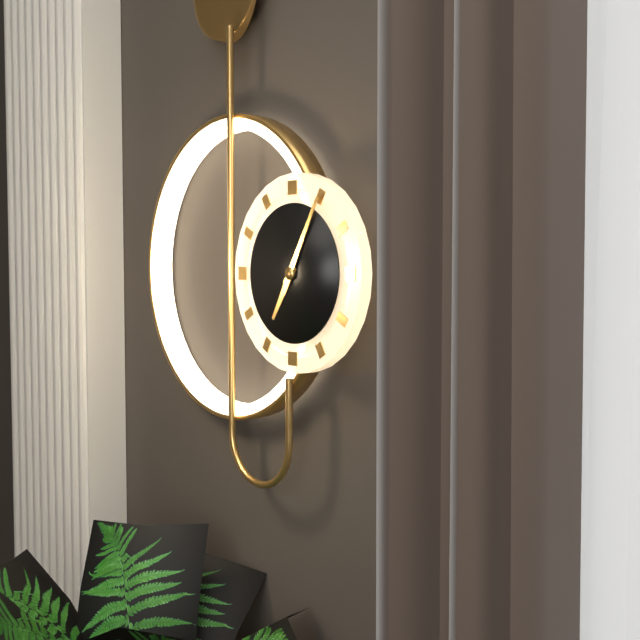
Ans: 7:05
